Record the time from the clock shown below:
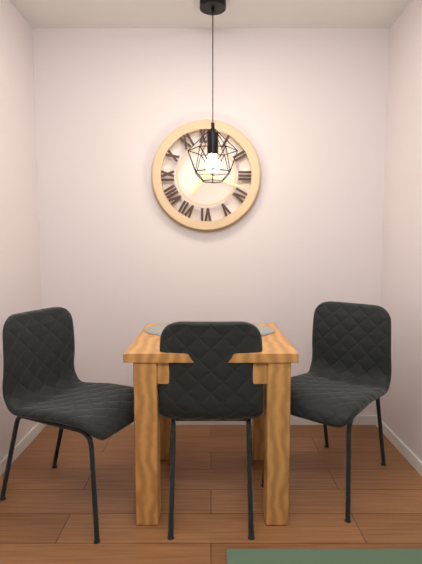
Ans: 7:18
